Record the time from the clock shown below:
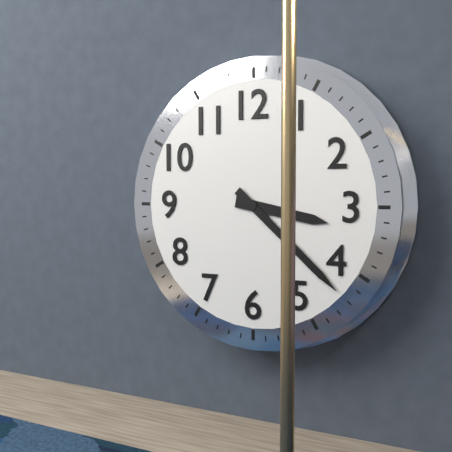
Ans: 3:22
